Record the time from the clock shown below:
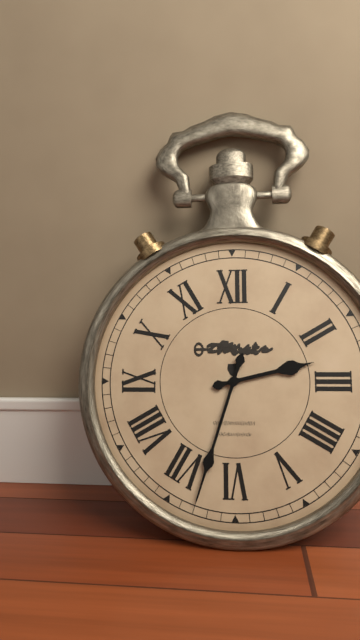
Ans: 2:33
